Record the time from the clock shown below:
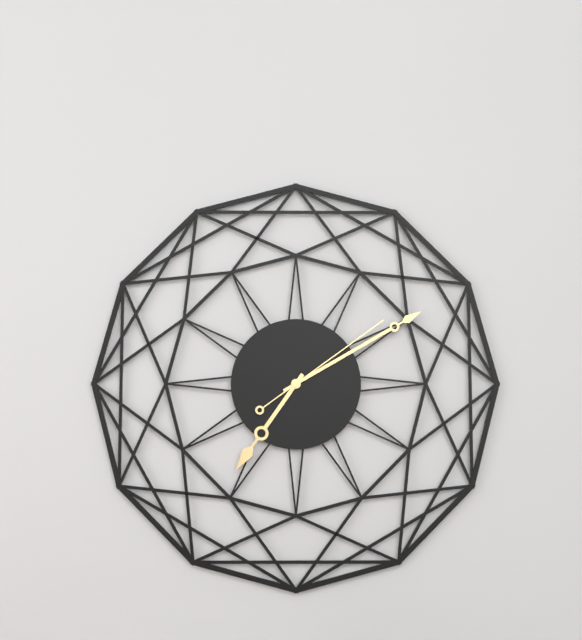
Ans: 7:10:09
